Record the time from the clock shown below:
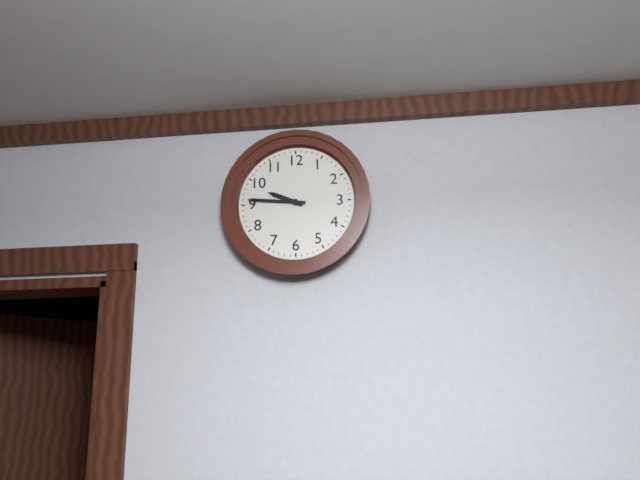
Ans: 9:46
